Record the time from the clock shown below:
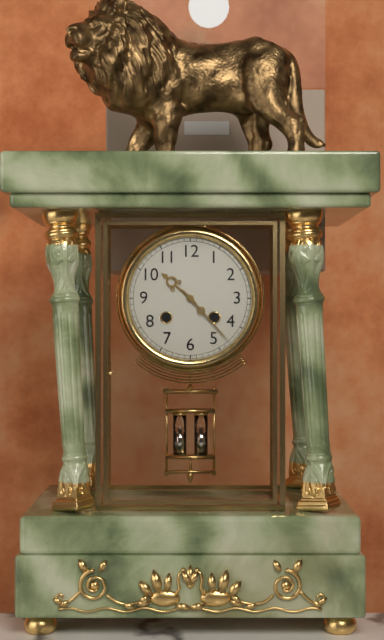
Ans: 10:23
